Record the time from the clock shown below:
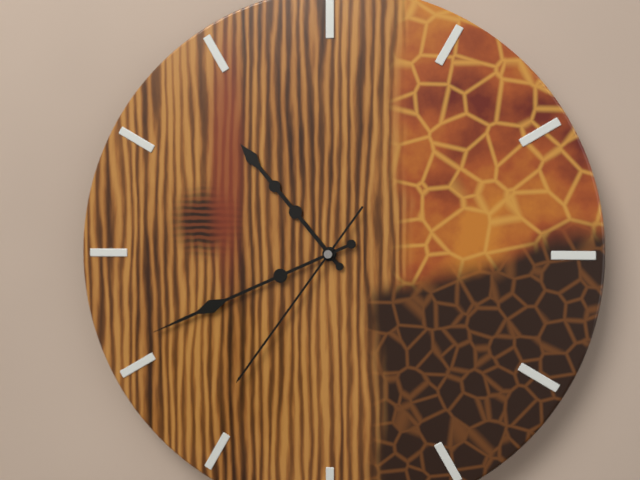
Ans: 10:41:36
